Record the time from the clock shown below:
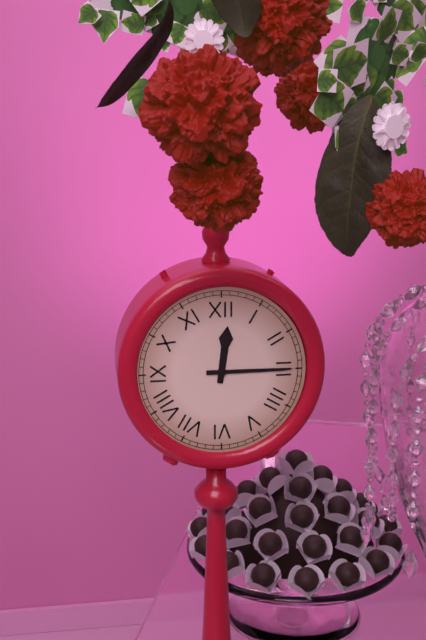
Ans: 12:15
